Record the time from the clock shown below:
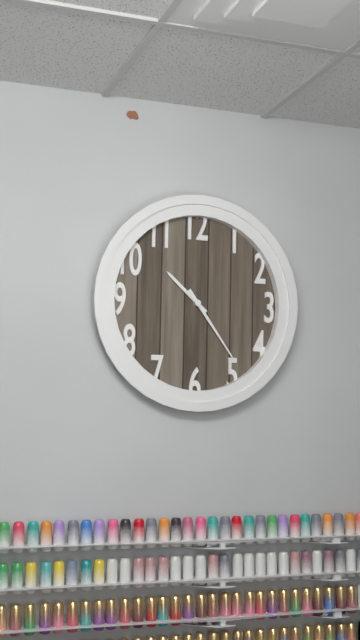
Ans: 10:24
